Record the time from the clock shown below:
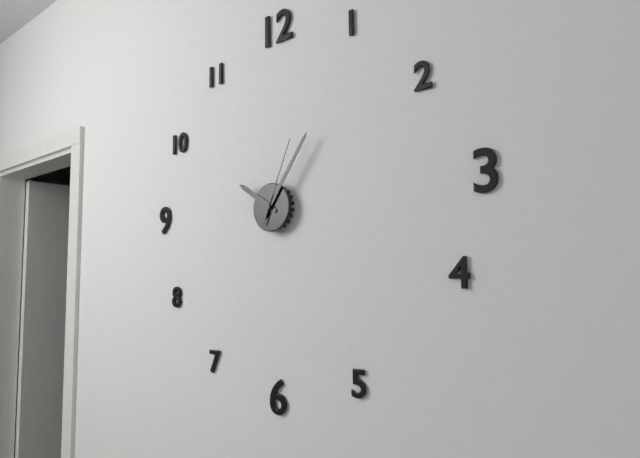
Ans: 10:06:04
